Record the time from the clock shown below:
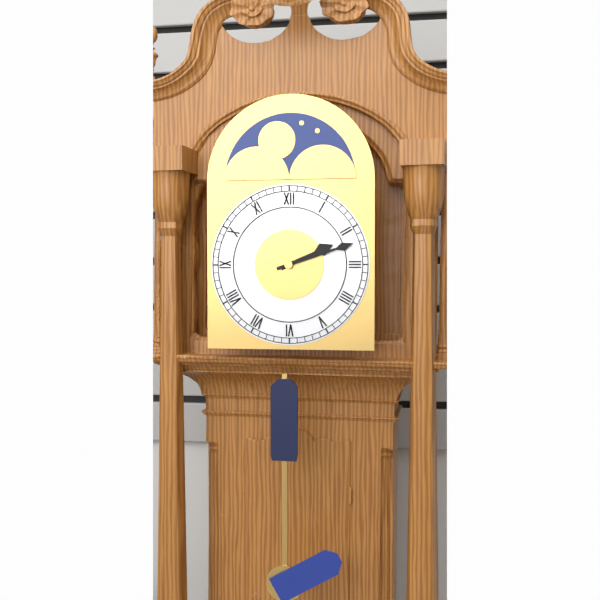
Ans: 2:12
